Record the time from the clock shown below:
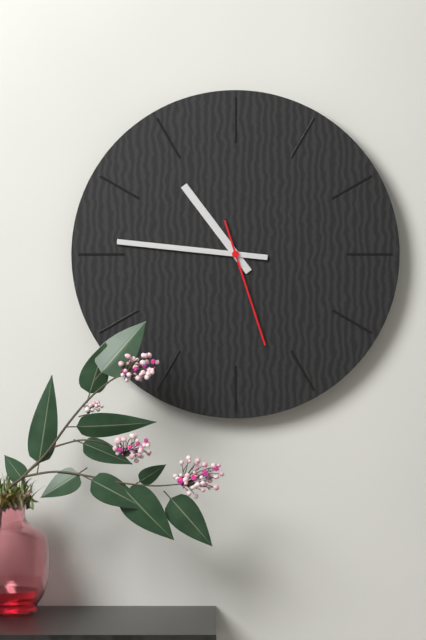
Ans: 10:46:27
